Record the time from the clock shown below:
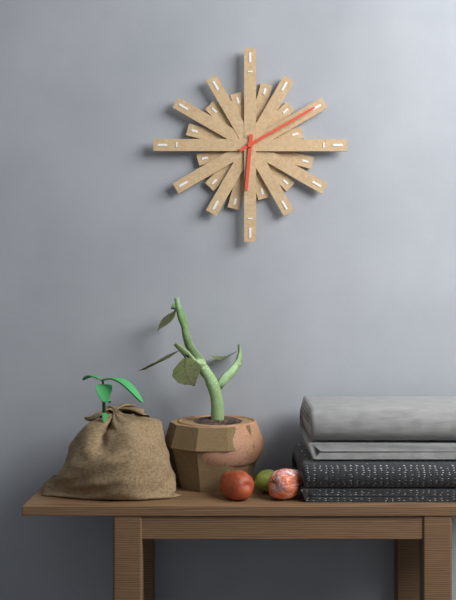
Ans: 6:10
